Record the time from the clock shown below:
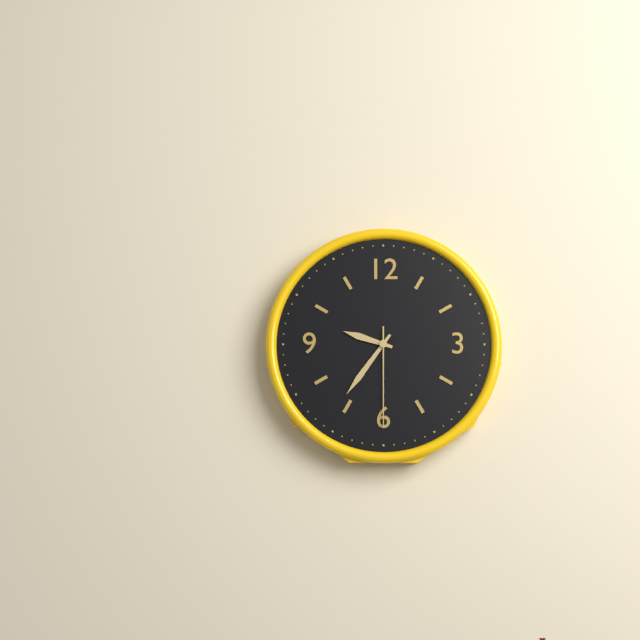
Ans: 9:36:30
